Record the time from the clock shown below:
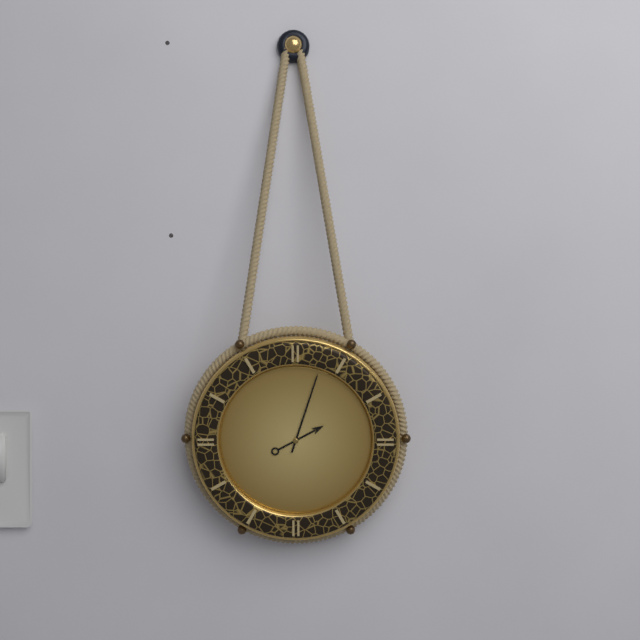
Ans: 2:03
